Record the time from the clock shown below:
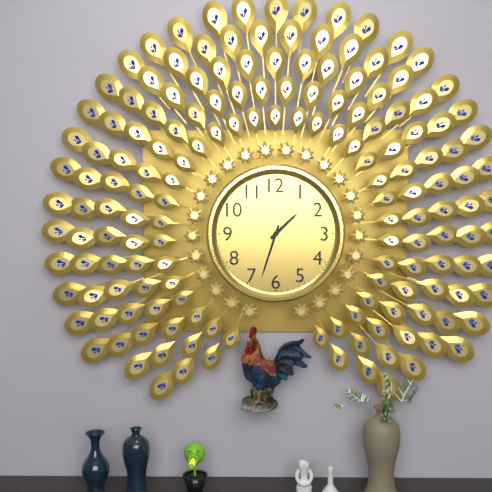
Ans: 1:33
